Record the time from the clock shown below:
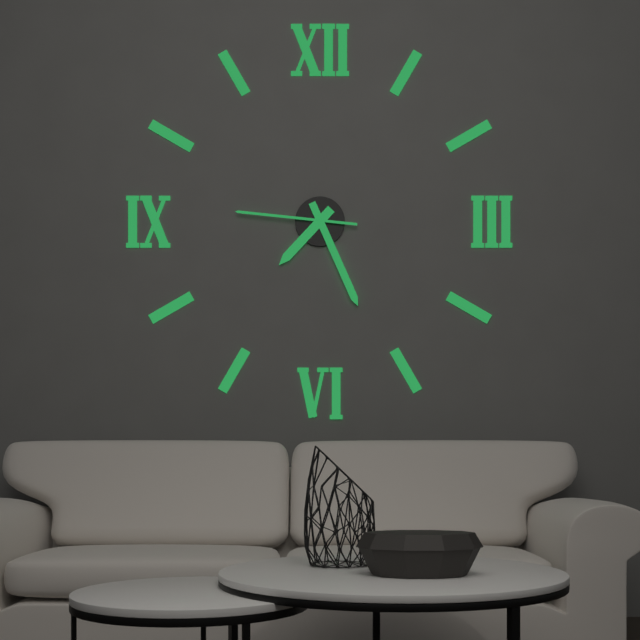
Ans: 7:26:46
